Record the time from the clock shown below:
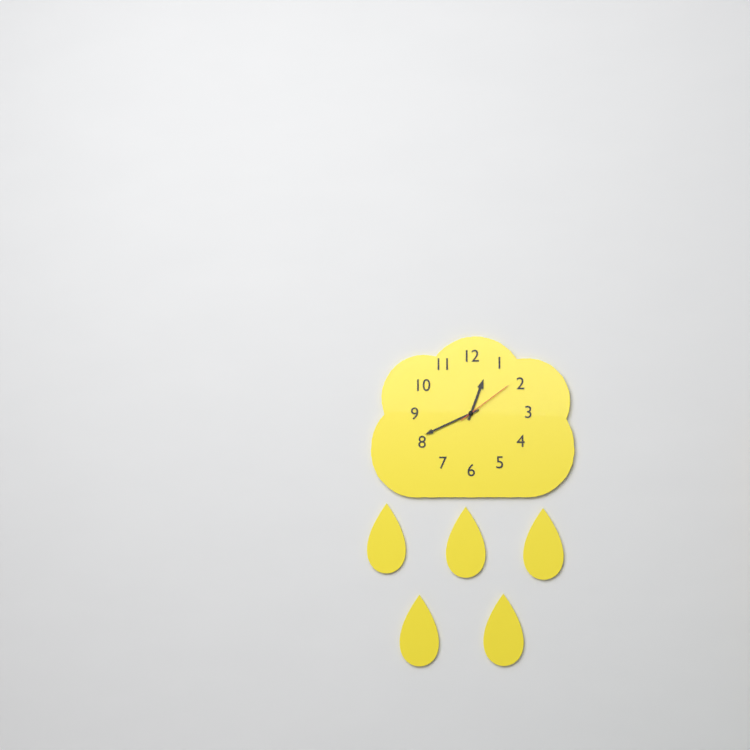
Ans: 12:41:09
